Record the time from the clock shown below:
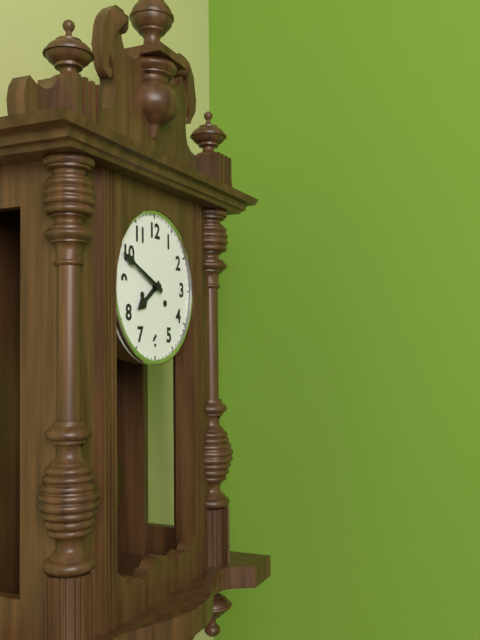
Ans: 7:49
